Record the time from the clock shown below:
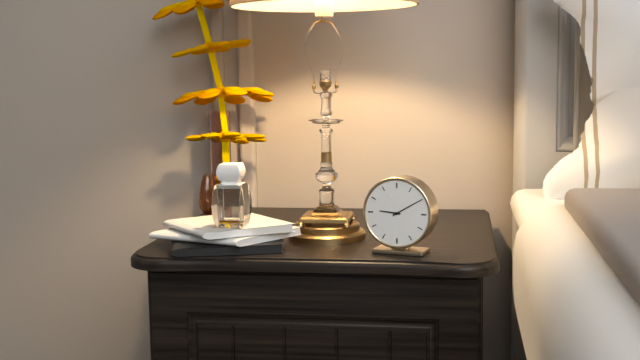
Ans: 9:10
